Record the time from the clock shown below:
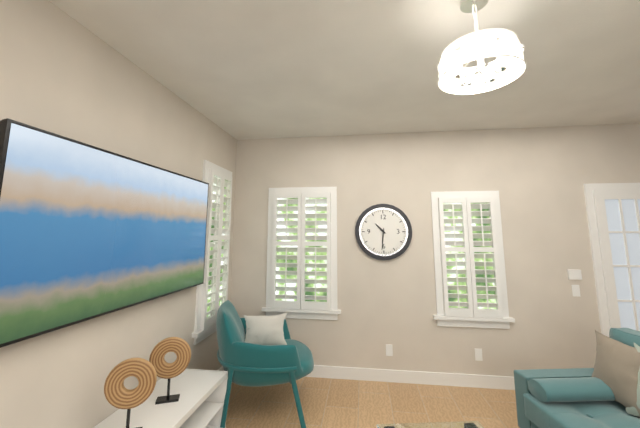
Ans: 10:31
